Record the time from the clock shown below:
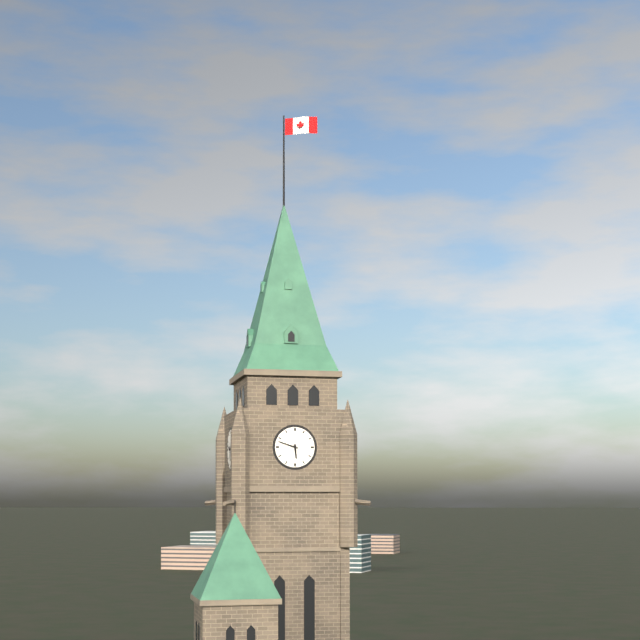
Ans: 5:48
